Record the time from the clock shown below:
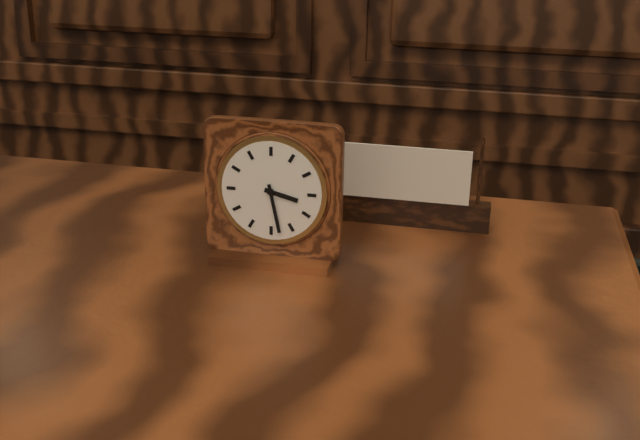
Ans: 3:28
